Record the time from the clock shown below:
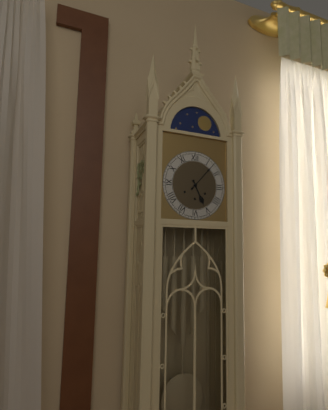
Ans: 5:07
